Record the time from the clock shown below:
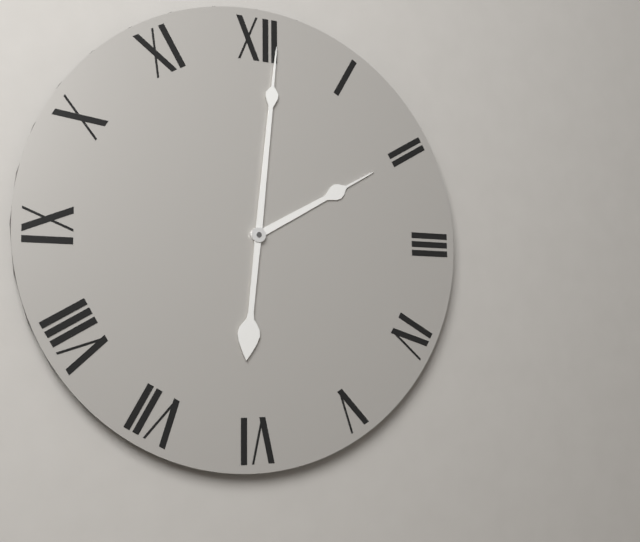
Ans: 2:01
